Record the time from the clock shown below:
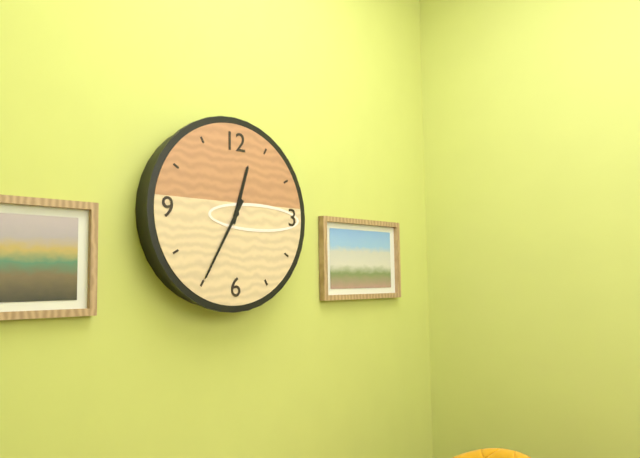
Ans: 12:35
